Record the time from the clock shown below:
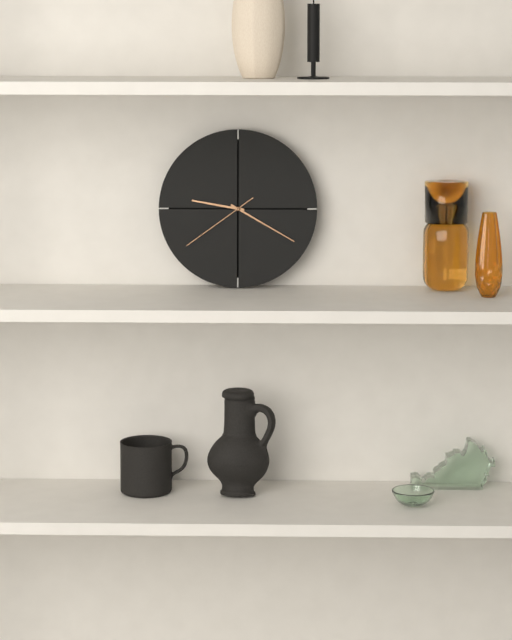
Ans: 9:20:39
